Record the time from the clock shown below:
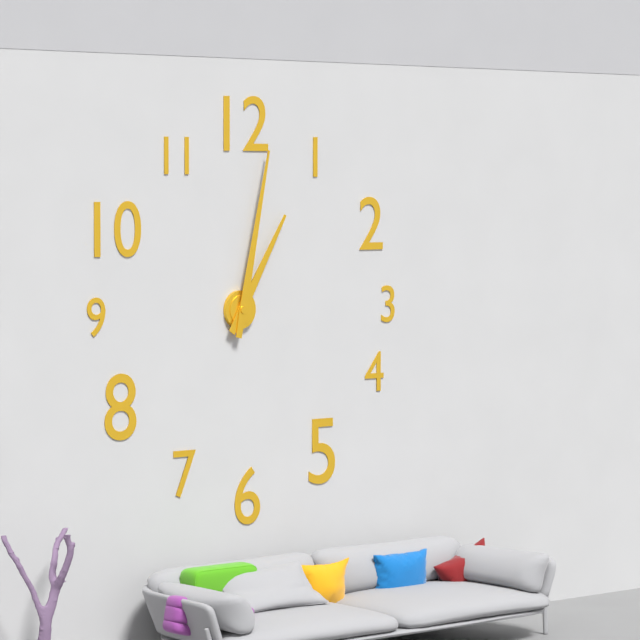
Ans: 1:02
